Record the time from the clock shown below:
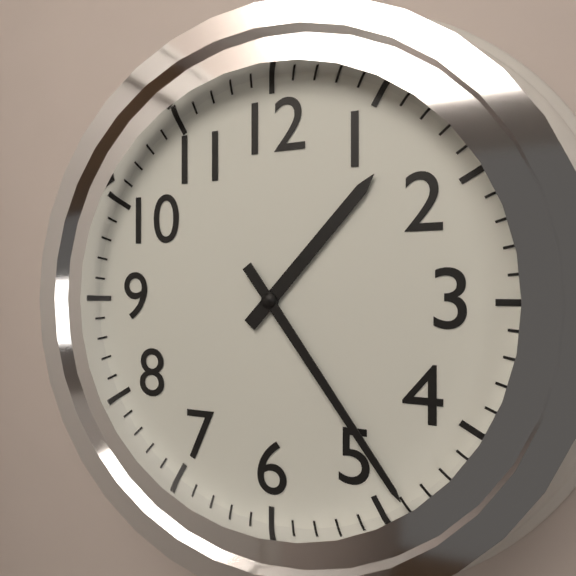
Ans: 1:24
